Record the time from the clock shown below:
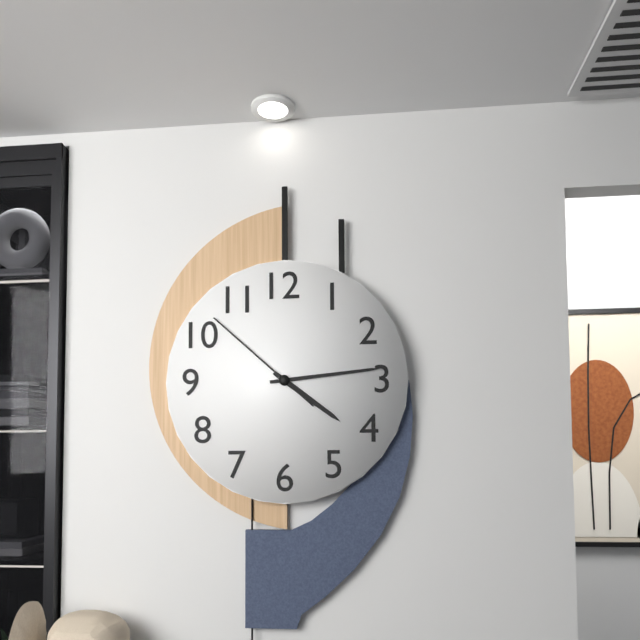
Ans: 4:14:52
